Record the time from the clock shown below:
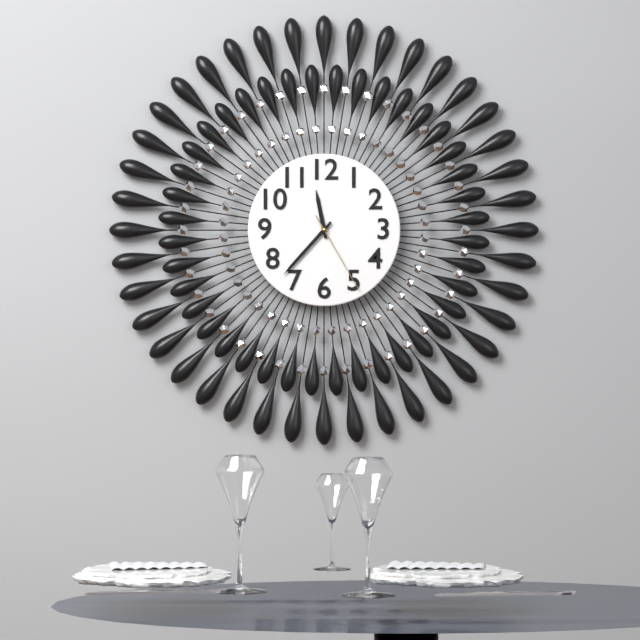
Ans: 11:37:25
